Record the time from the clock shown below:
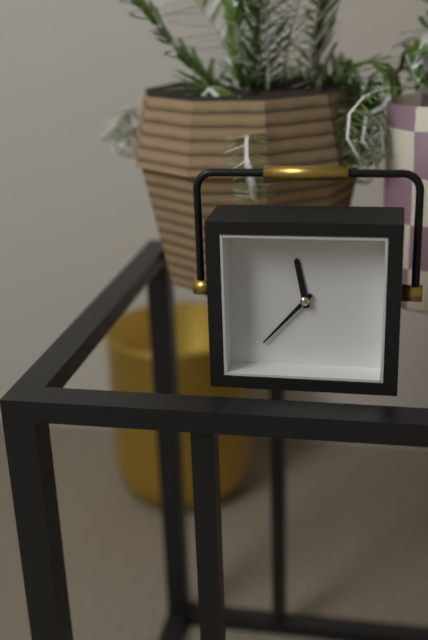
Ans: 11:37
